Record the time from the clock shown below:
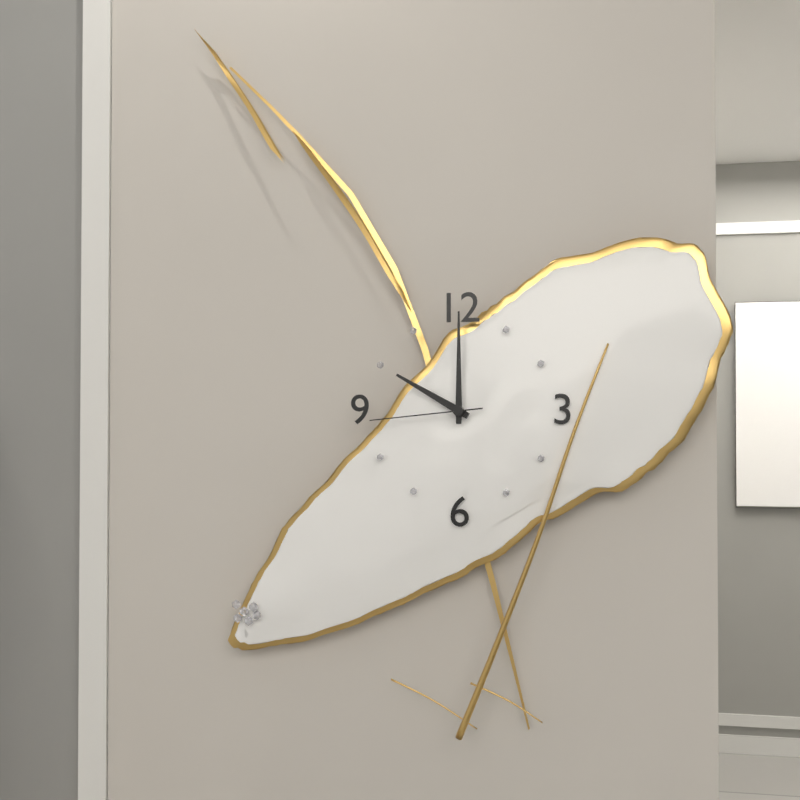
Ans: 10:00:44
